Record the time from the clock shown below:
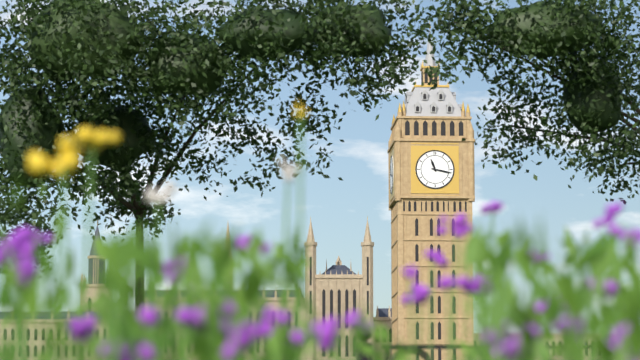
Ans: 11:17
